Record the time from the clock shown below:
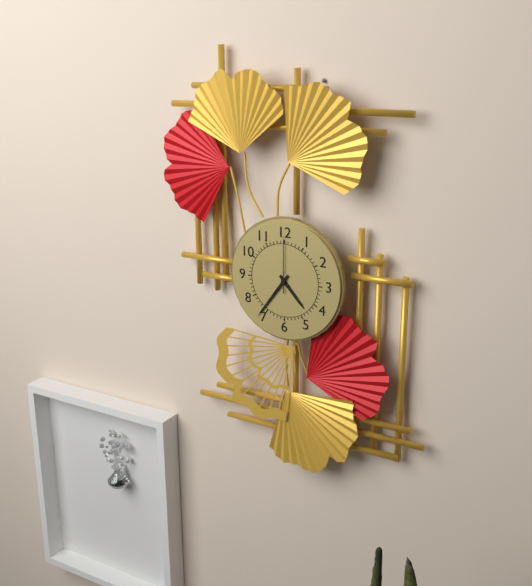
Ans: 4:36:00
